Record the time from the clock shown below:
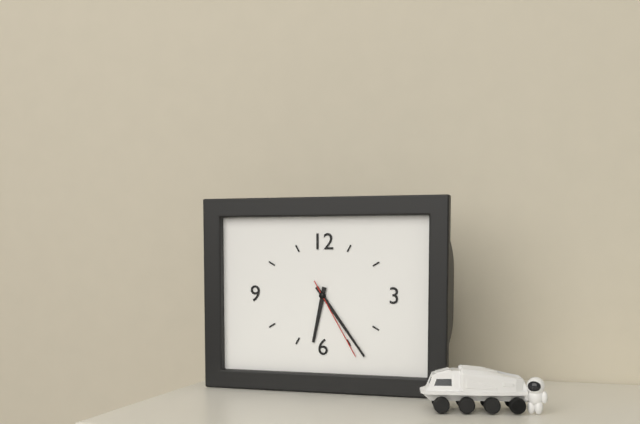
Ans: 6:24:25
